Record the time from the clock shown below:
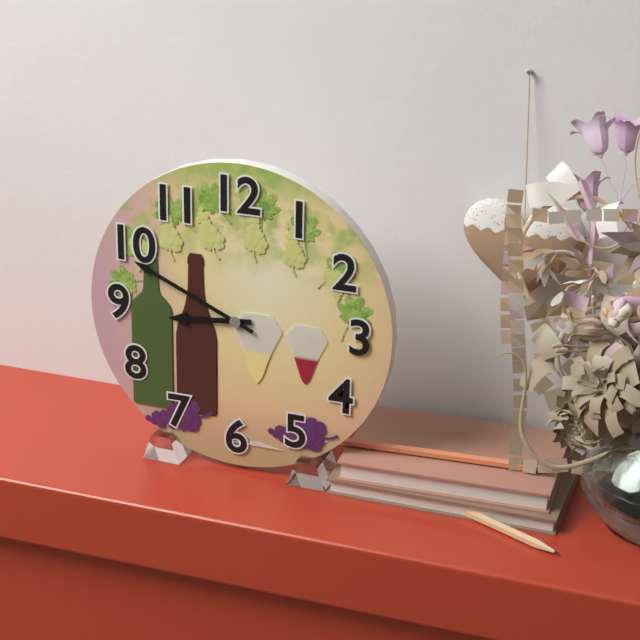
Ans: 8:49
